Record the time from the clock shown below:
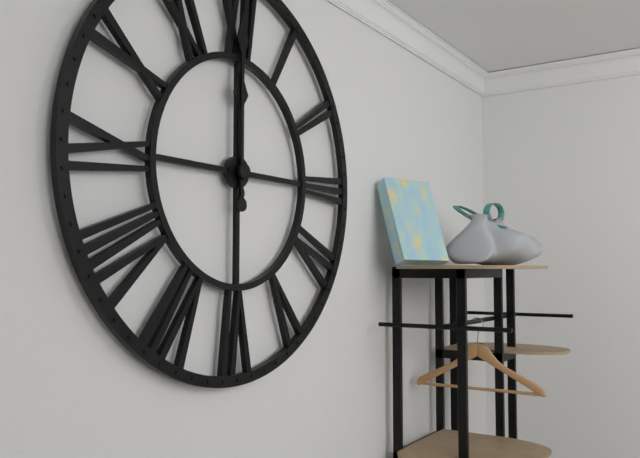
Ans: 12:00
